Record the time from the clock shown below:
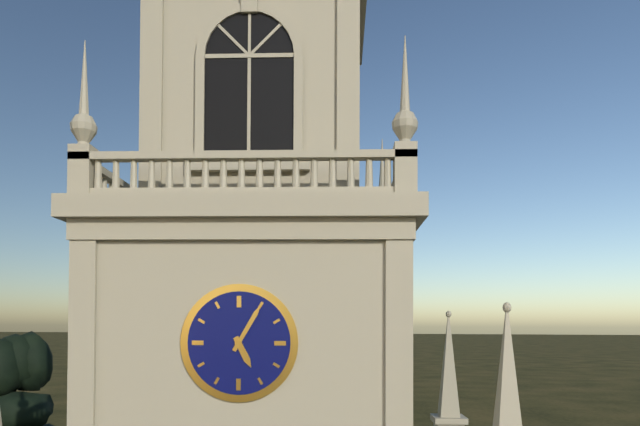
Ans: 5:05
